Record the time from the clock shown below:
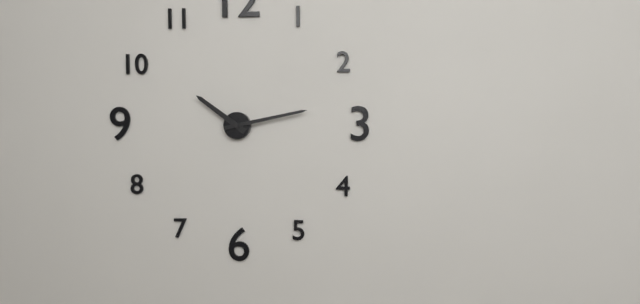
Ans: 10:13
